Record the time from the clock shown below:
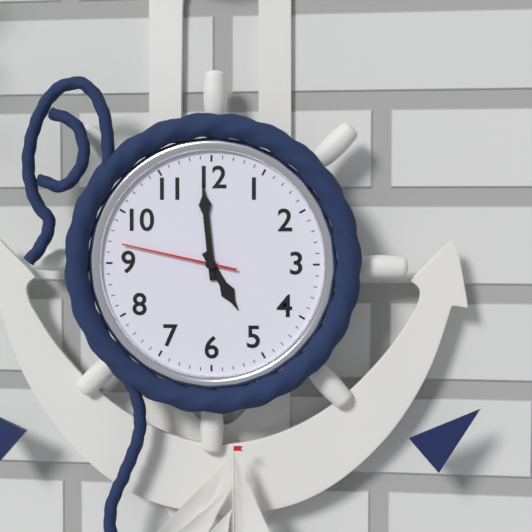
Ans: 4:59:47
